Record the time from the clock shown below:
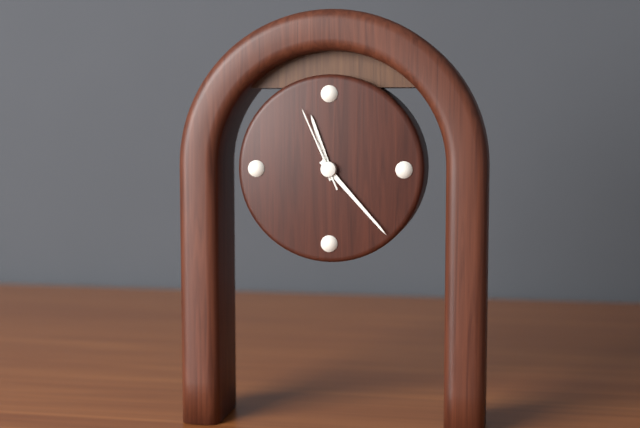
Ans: 11:23:56
